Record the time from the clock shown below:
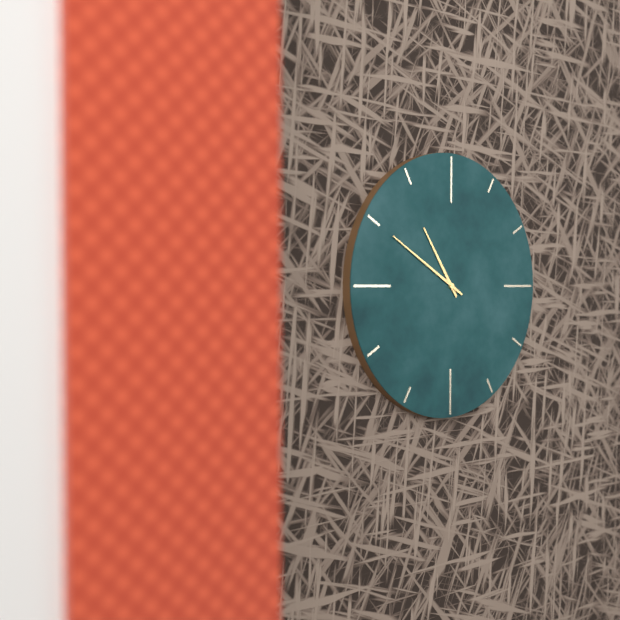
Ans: 10:50
